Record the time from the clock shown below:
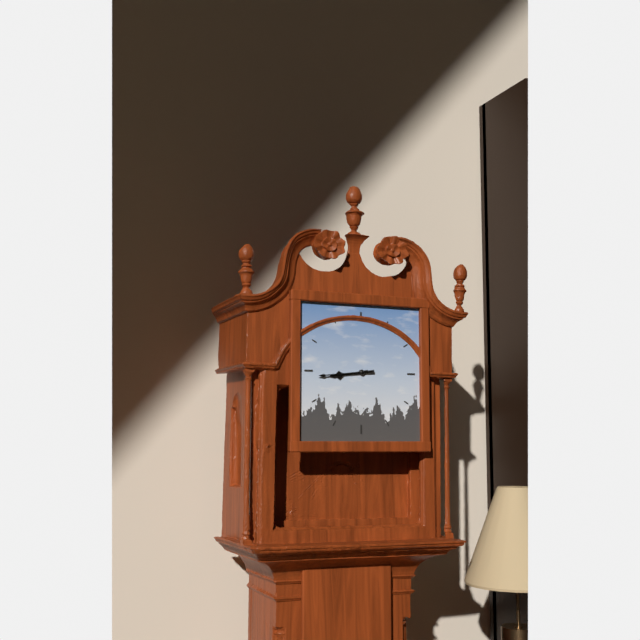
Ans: 8:44
